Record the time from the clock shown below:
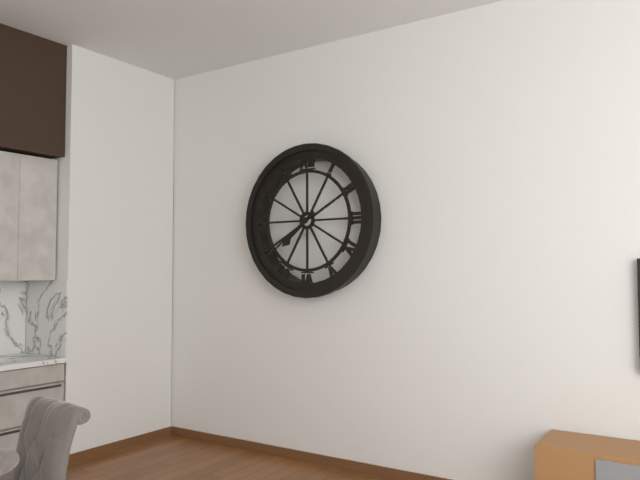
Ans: 7:39
